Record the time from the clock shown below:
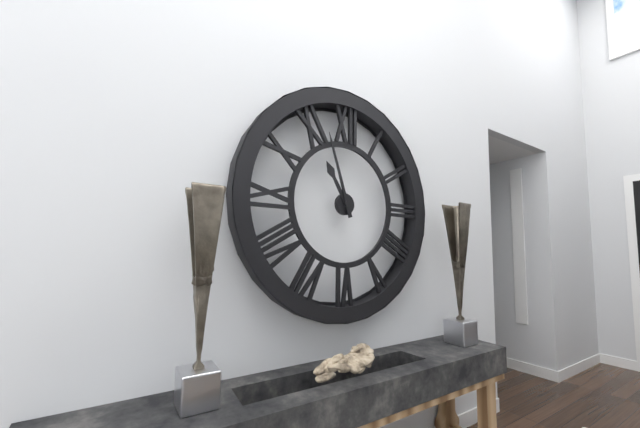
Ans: 10:57
